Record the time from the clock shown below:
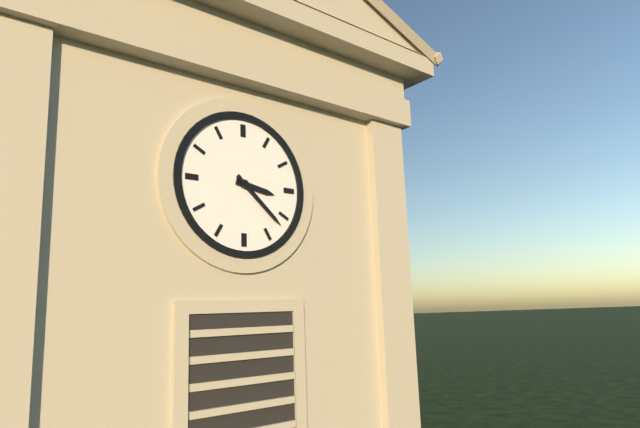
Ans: 3:22
